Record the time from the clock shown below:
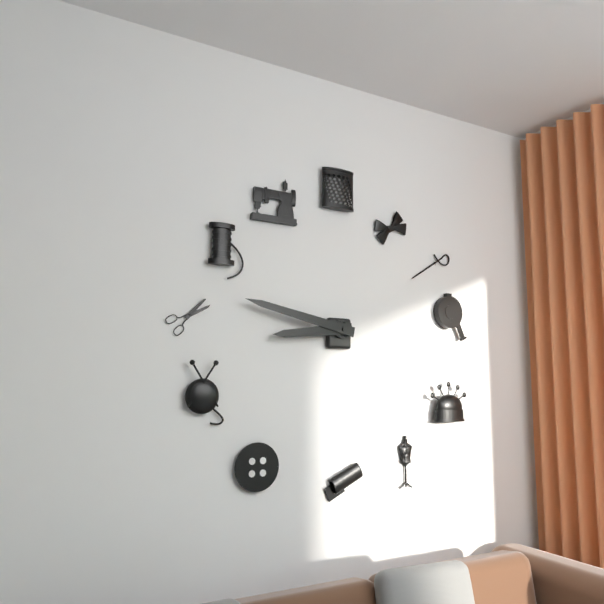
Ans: 8:47
